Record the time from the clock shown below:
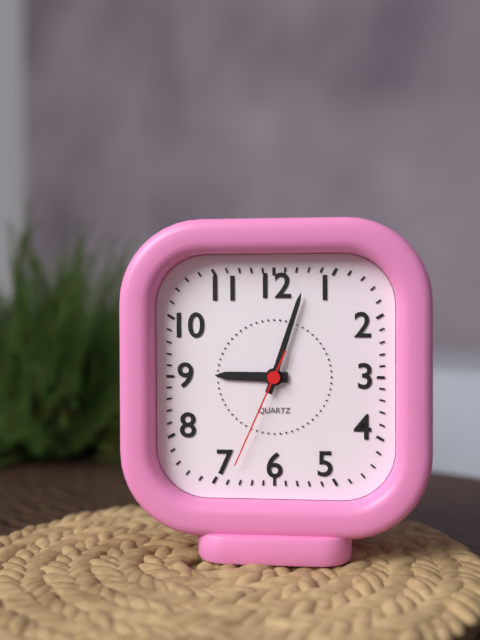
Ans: 9:03:34
